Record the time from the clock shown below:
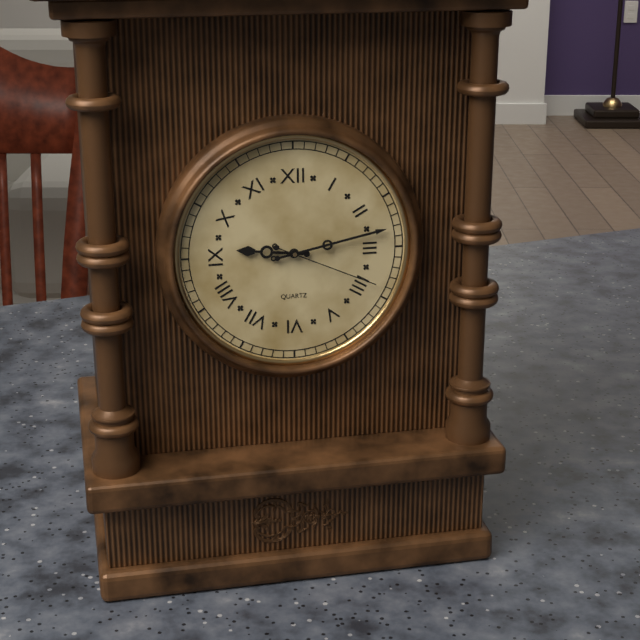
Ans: 9:13:19
